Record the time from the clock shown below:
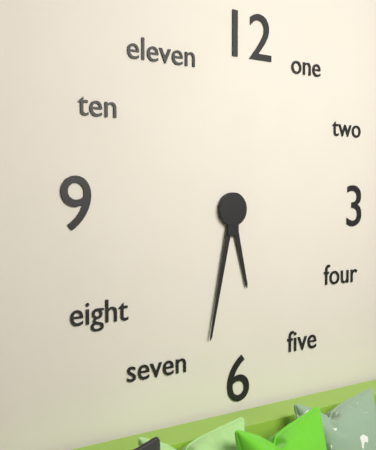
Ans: 5:32
